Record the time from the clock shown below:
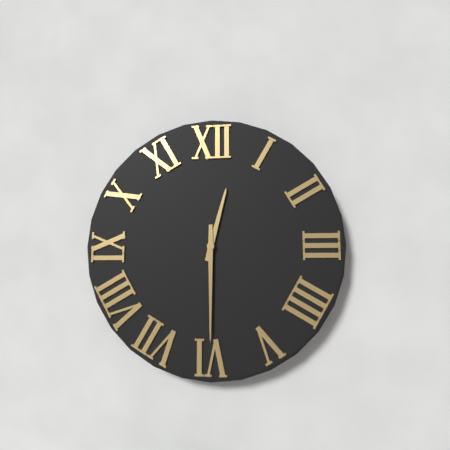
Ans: 12:30
